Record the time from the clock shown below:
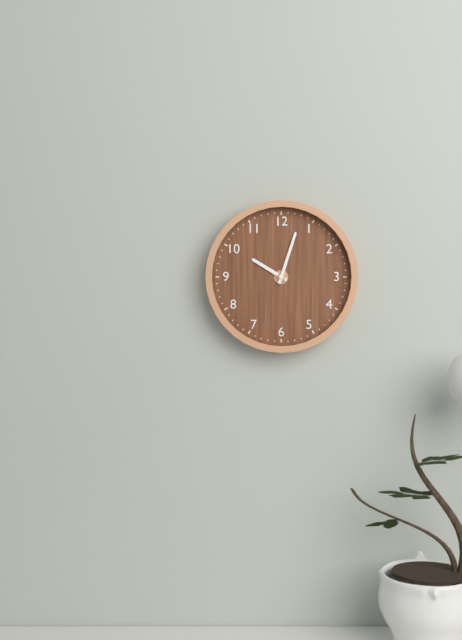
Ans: 10:03
